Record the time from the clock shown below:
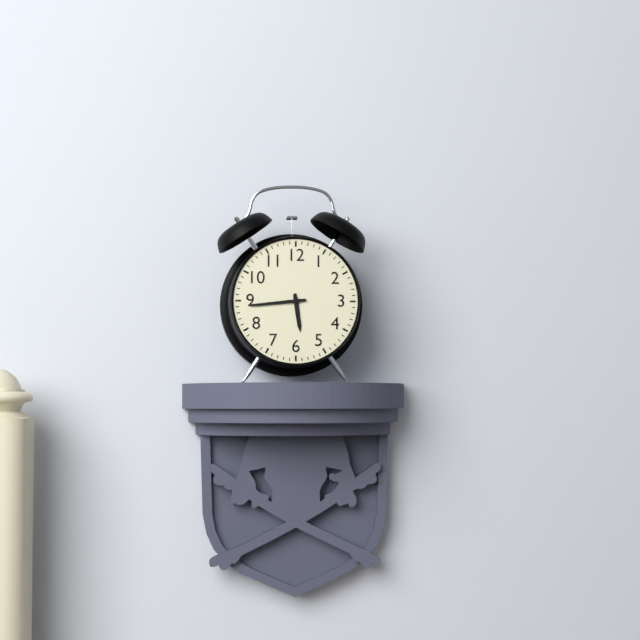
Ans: 5:44
